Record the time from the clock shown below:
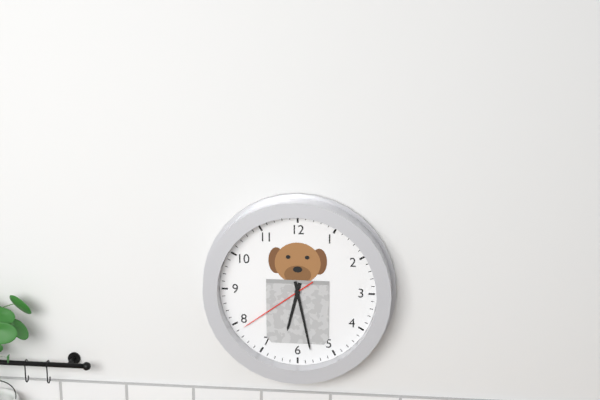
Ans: 6:28:39
